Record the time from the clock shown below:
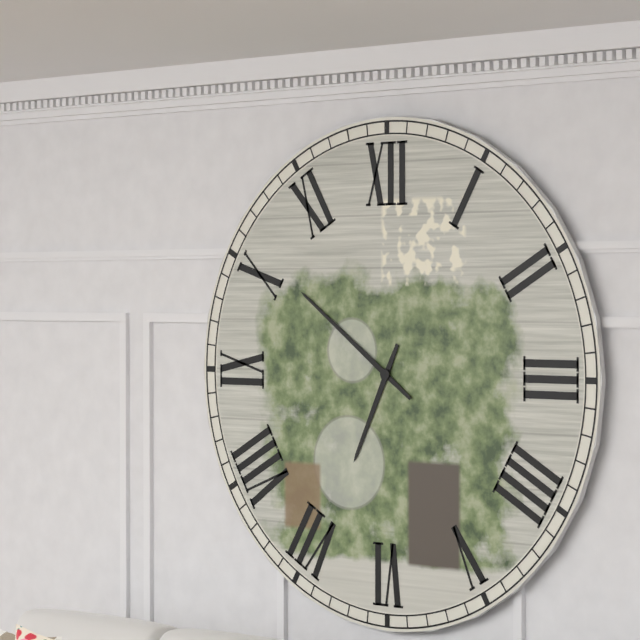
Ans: 6:51
